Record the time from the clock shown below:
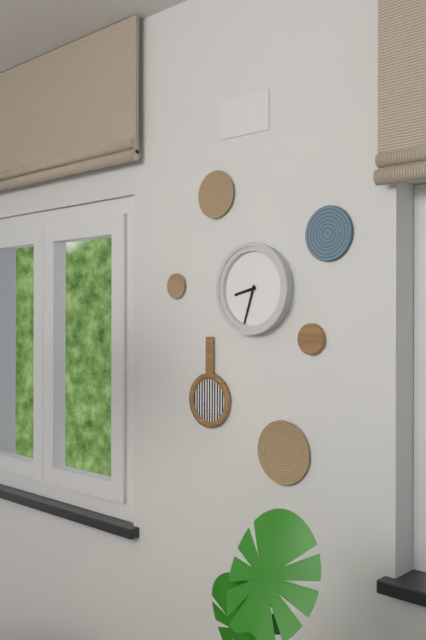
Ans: 8:33
